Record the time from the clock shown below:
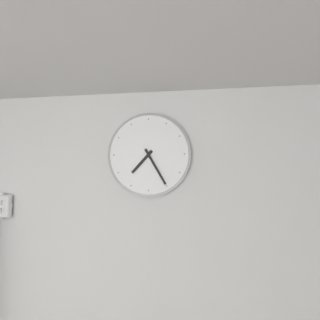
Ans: 7:25
